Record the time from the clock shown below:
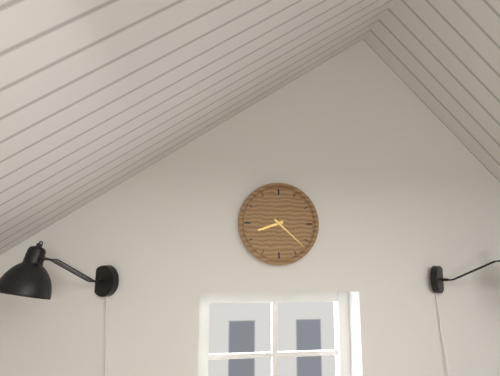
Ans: 8:22
